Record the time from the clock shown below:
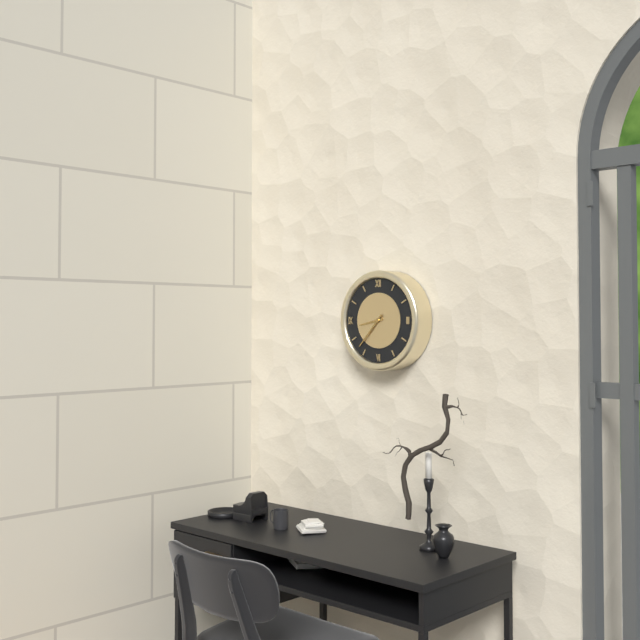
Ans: 8:37
